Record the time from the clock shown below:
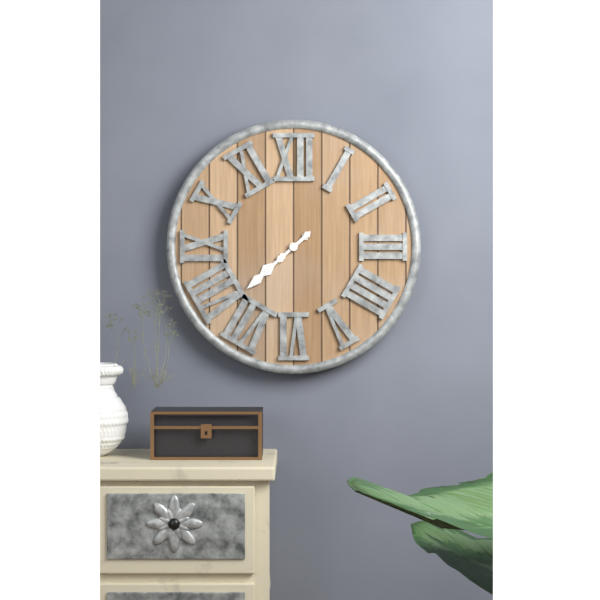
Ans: 7:38
